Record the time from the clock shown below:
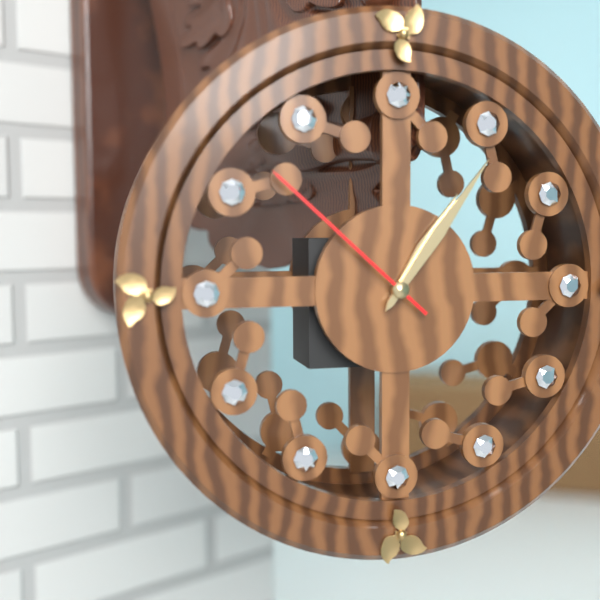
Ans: 1:06:52
